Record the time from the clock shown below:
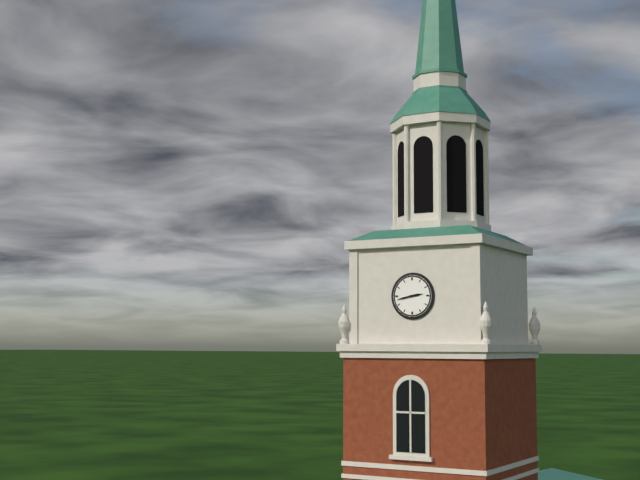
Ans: 2:43
